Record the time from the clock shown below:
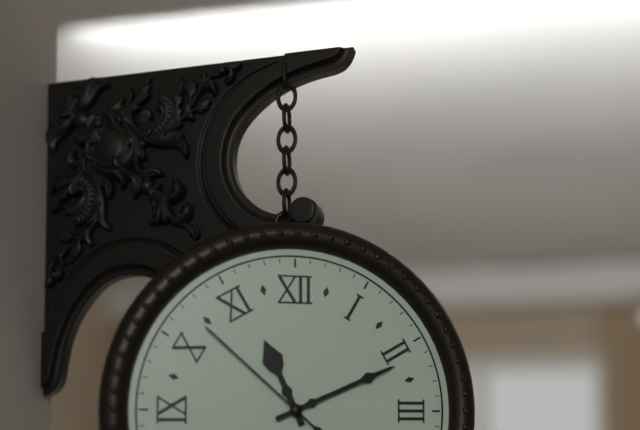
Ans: 11:11:52
